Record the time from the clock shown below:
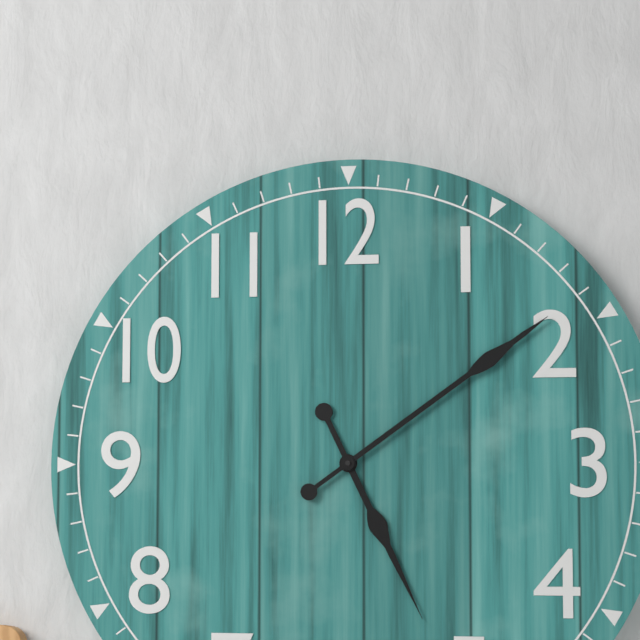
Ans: 5:09
